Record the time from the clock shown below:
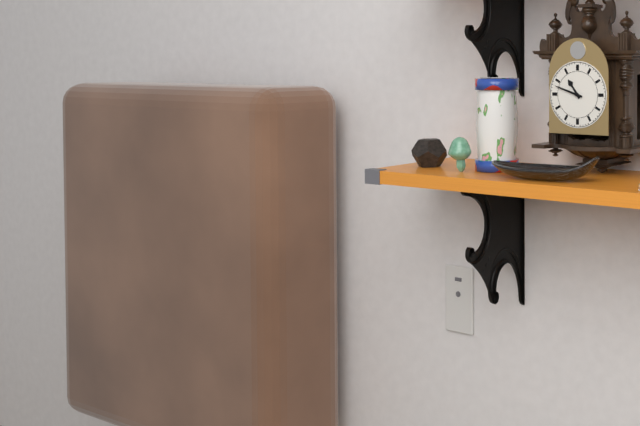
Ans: 10:48
